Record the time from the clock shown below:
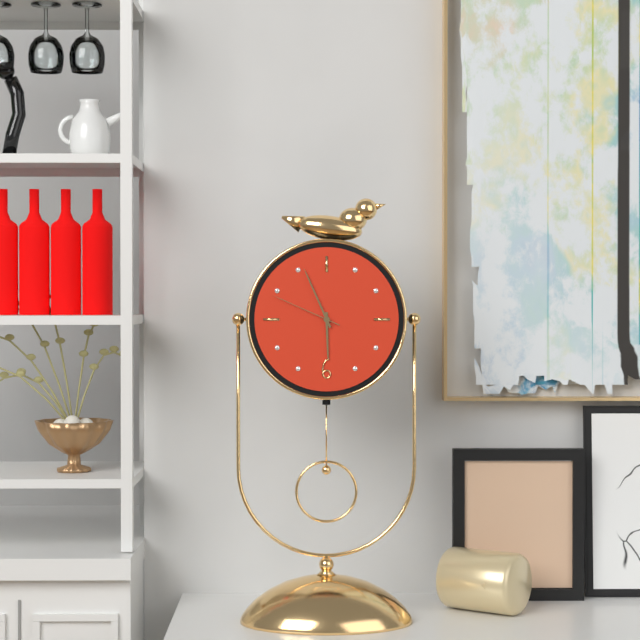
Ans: 5:56:49
